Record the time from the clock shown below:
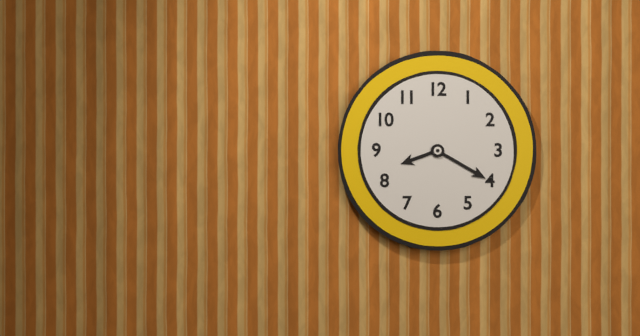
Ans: 8:20
